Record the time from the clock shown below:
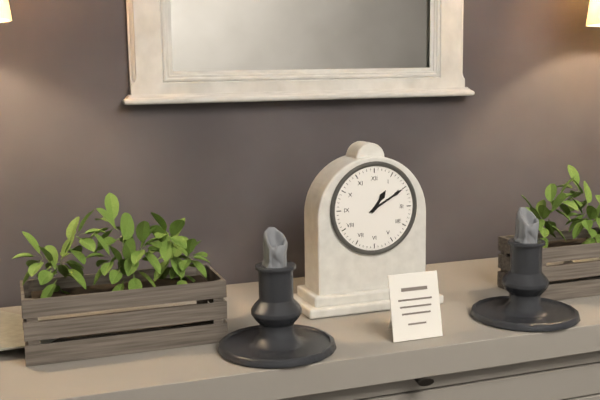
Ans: 1:10
